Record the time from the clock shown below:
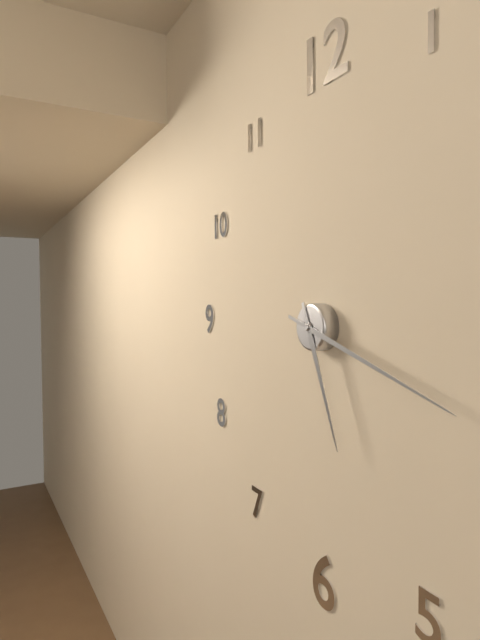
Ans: 5:18
